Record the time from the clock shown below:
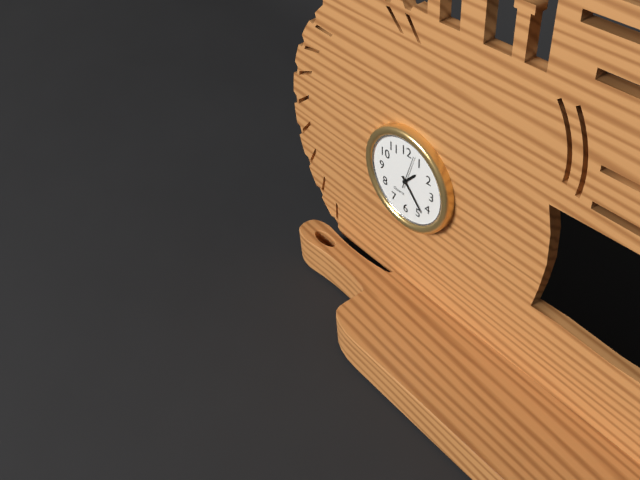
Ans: 1:23
